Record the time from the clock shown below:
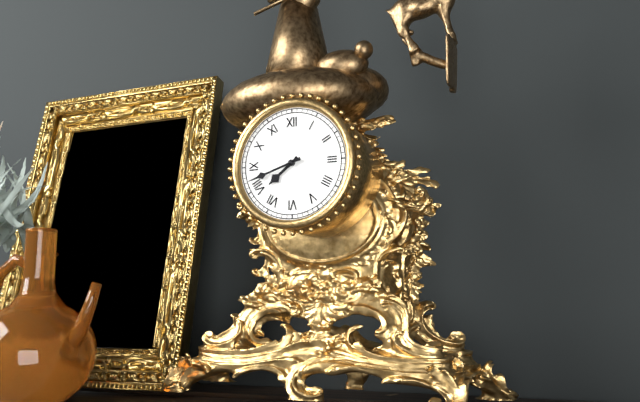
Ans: 7:42
